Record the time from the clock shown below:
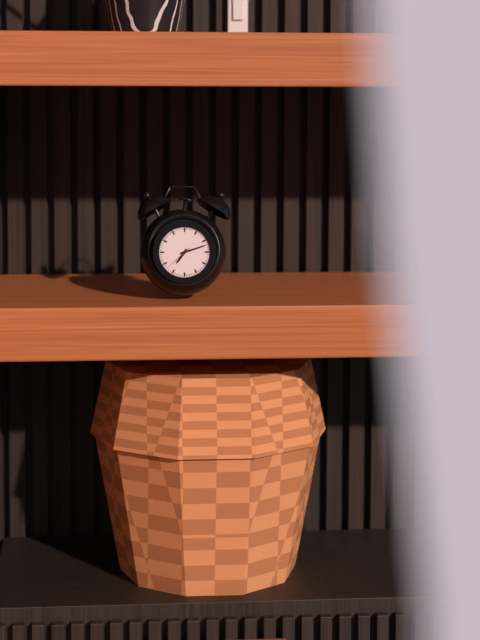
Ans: 7:12
